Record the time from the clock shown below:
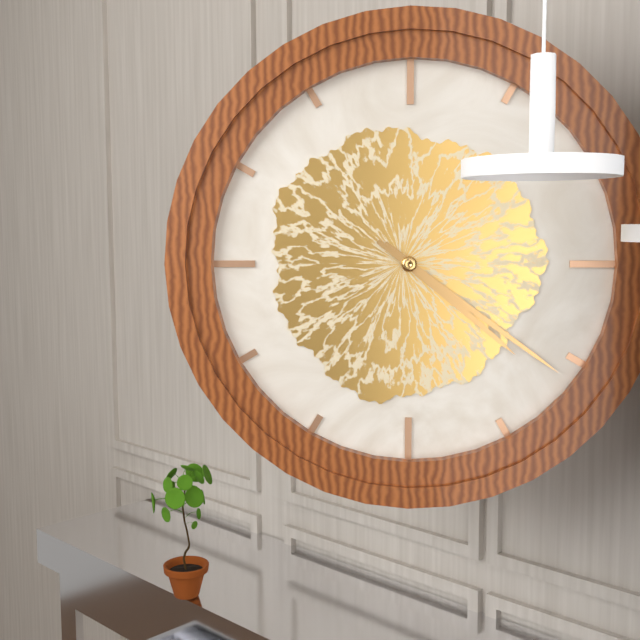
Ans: 4:21
